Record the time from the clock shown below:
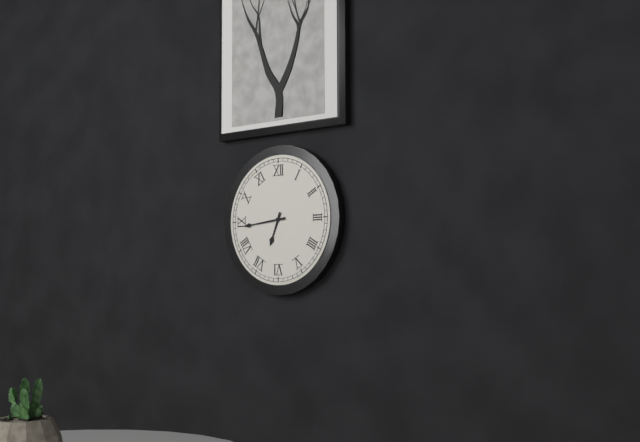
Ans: 6:44
